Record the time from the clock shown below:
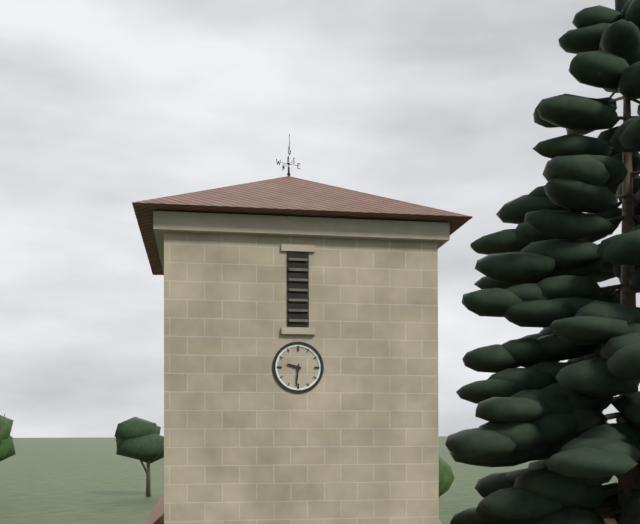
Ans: 9:31
